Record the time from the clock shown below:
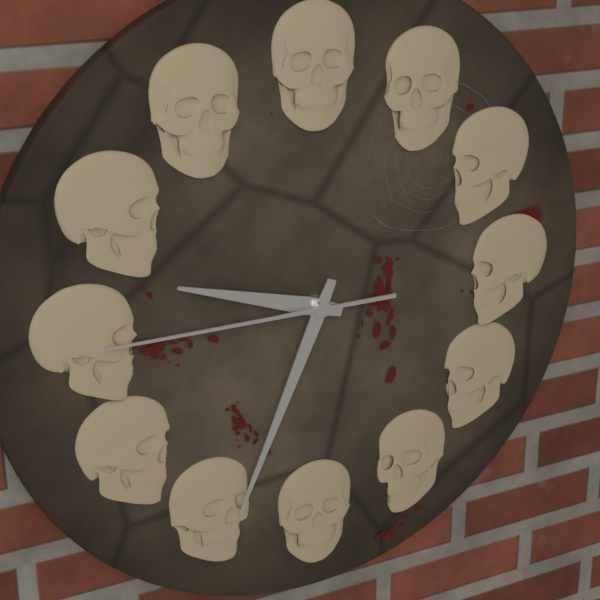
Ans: 9:34:45
